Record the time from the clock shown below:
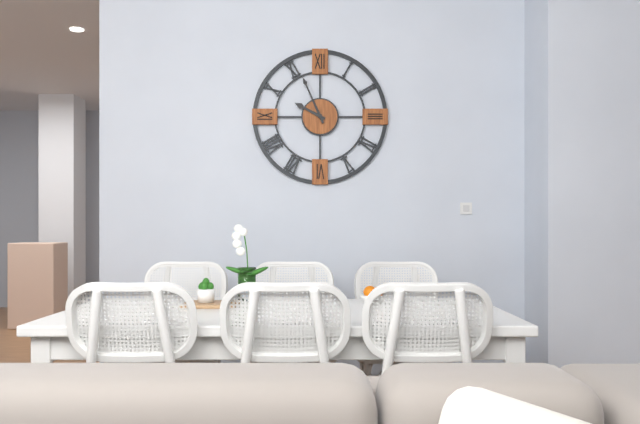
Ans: 9:56
